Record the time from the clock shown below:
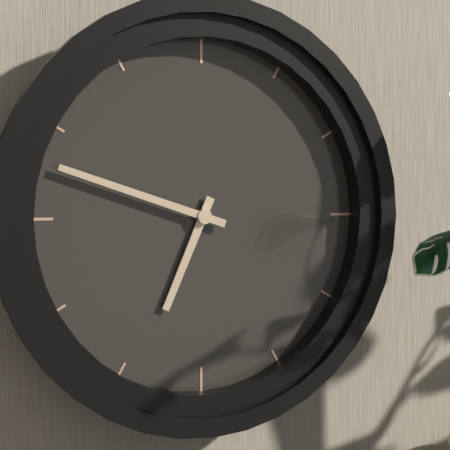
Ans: 6:48
